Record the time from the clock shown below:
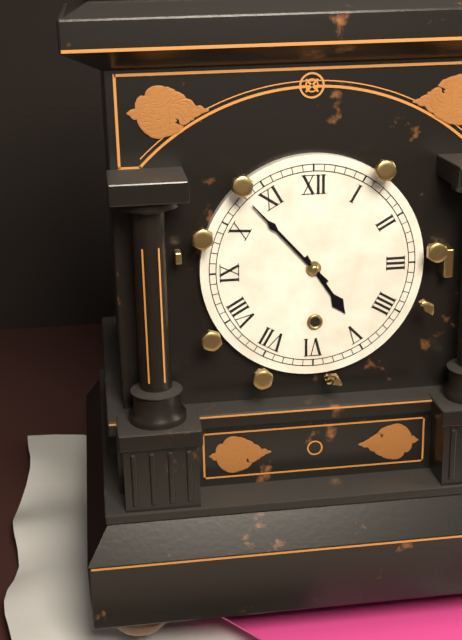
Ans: 4:53
